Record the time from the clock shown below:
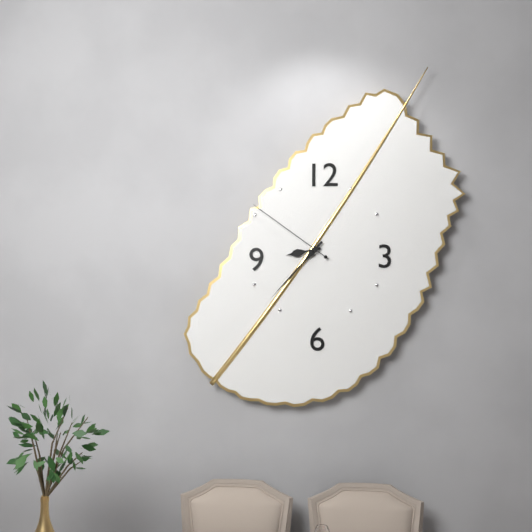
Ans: 8:37:51
